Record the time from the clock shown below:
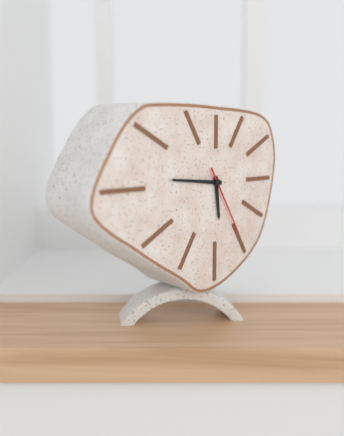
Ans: 5:46:25
